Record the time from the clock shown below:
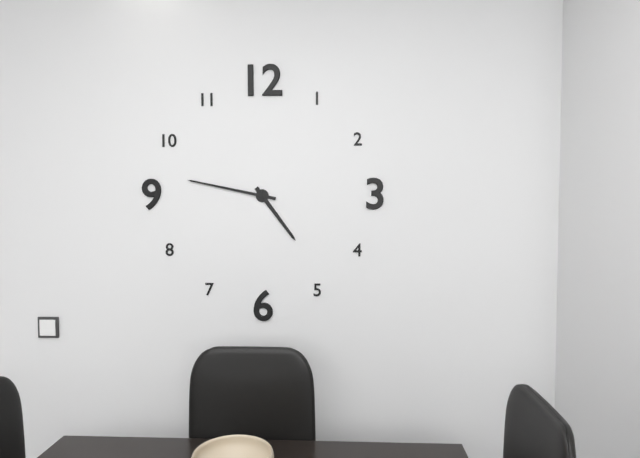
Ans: 4:47
